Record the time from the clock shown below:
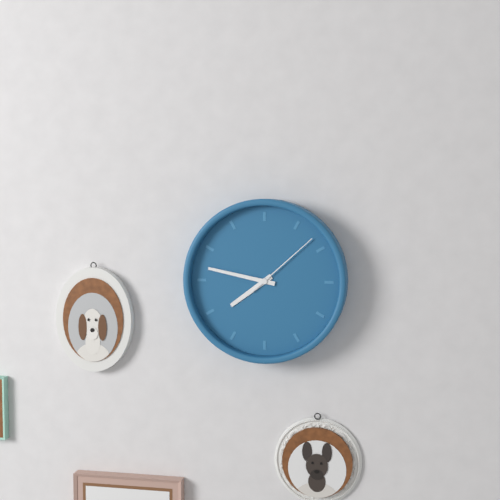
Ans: 7:47:08
